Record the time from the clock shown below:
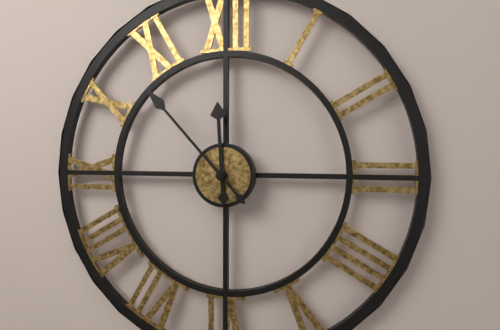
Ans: 11:53
